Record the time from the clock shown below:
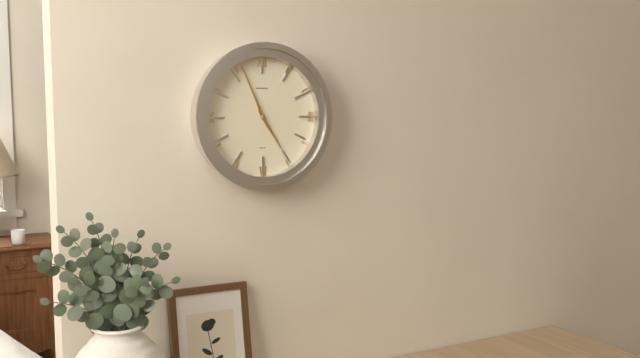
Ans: 4:56
